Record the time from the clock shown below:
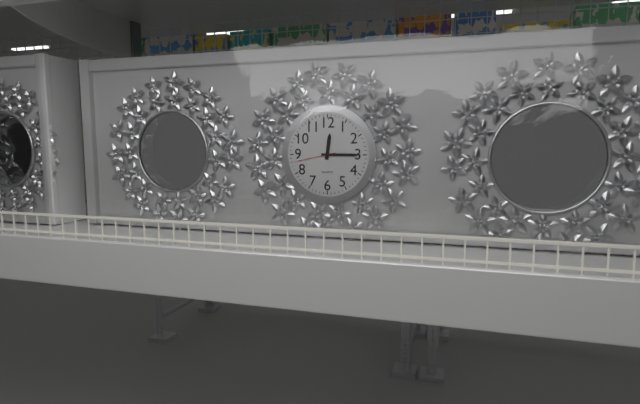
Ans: 12:15
